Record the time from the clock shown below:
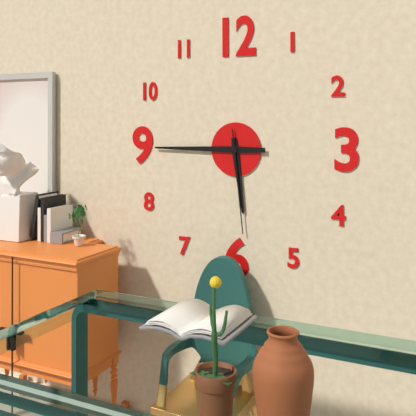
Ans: 5:45:29
